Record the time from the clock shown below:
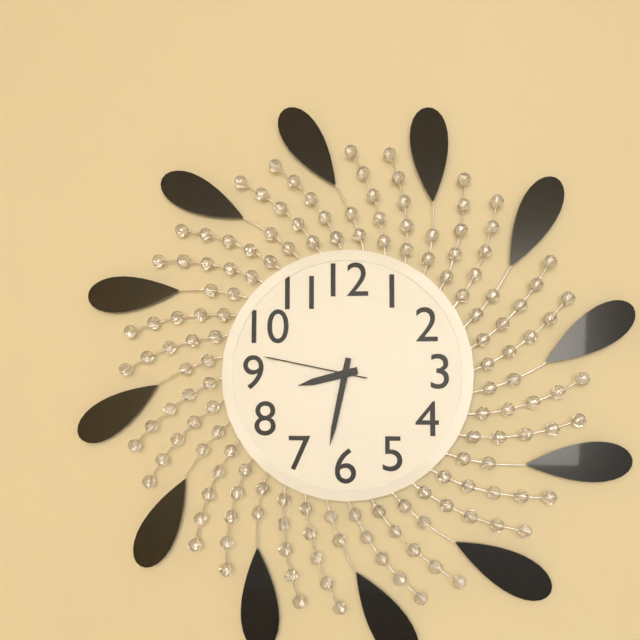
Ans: 8:32:47
